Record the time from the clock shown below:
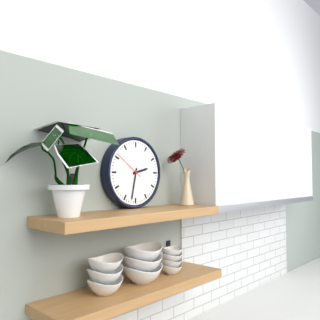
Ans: 2:32
